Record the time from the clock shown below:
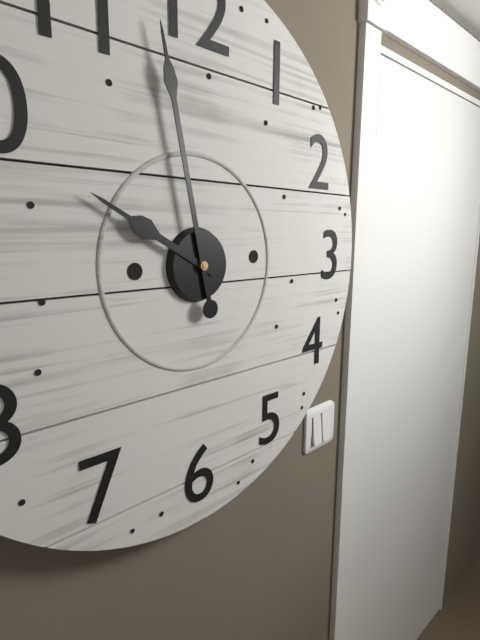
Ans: 9:58
